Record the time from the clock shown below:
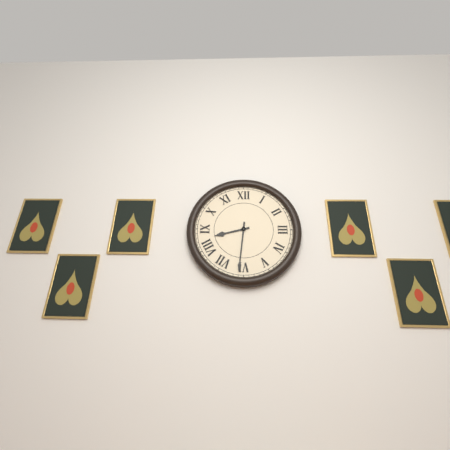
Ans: 8:31
